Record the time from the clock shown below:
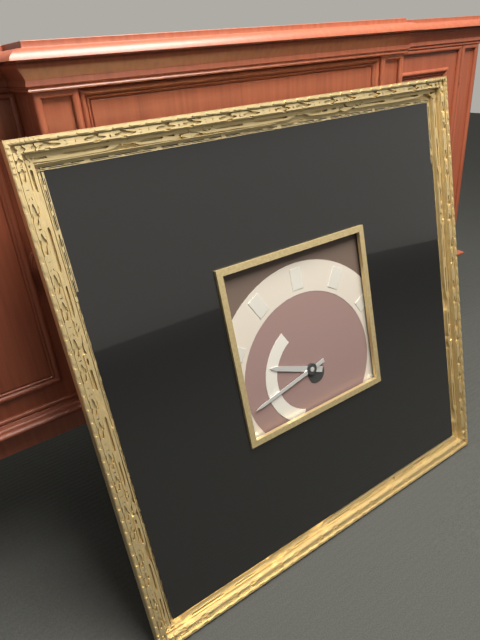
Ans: 9:43
